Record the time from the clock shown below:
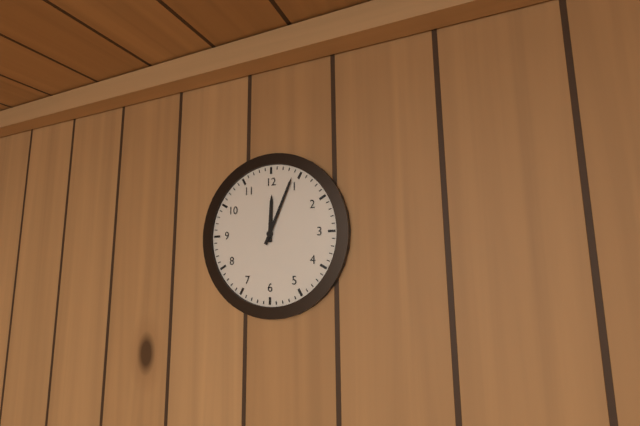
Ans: 12:04
